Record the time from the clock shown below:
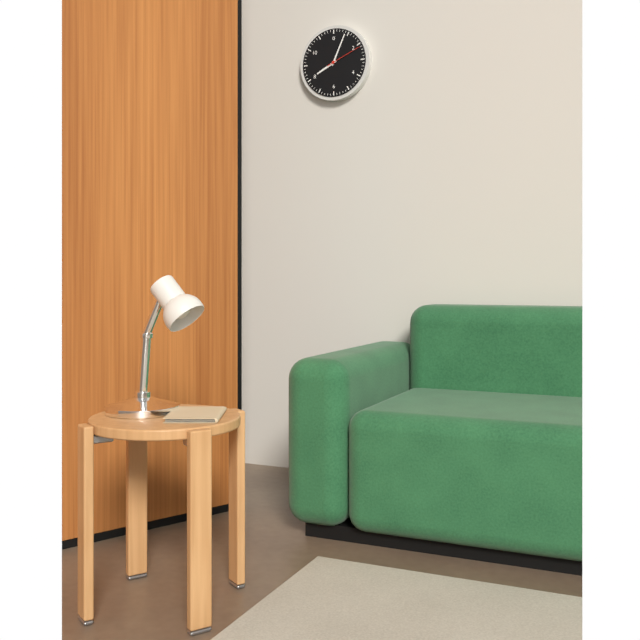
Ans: 8:04
